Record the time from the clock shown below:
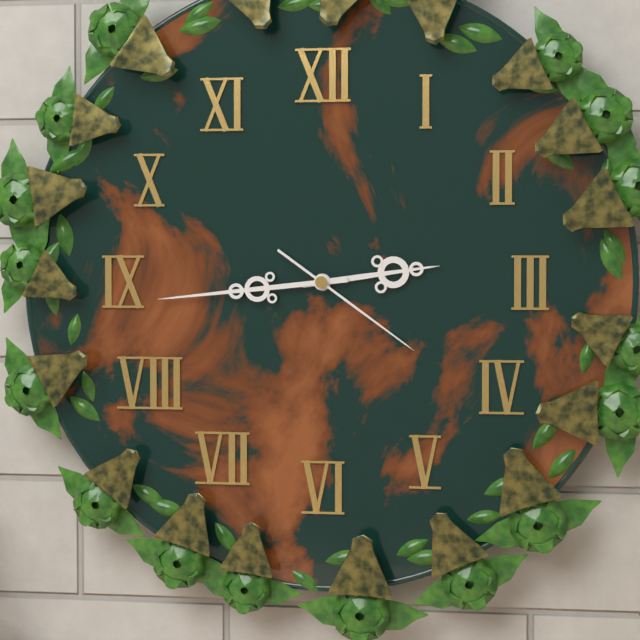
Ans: 2:44:21
